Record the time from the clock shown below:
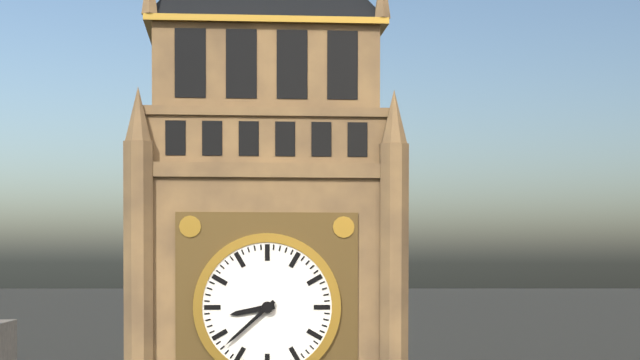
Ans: 8:38
